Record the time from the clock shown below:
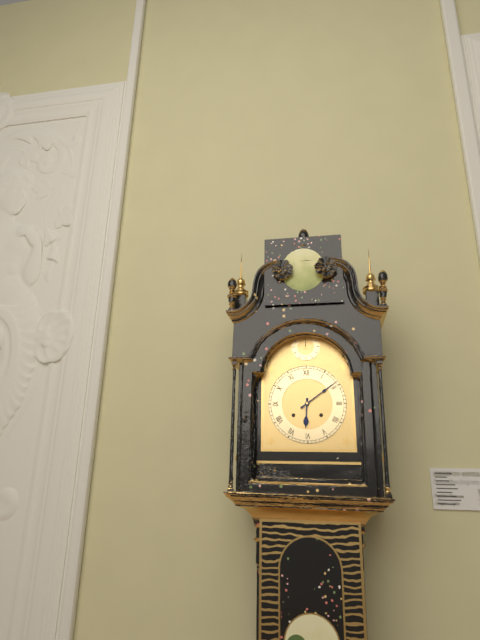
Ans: 6:09
